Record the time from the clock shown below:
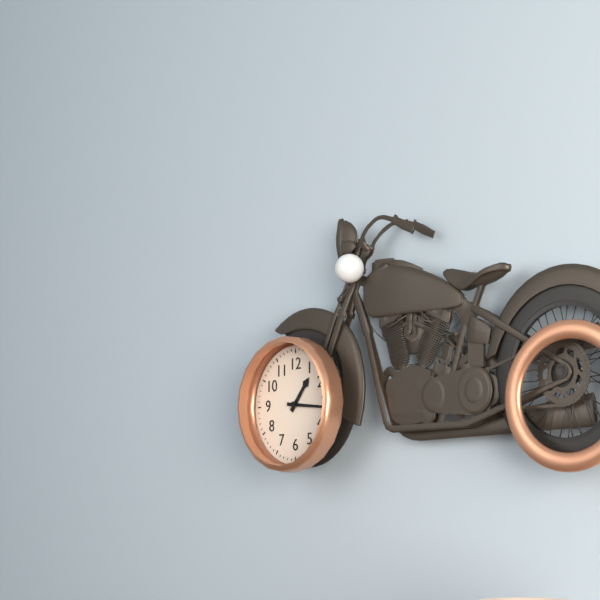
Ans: 1:16
